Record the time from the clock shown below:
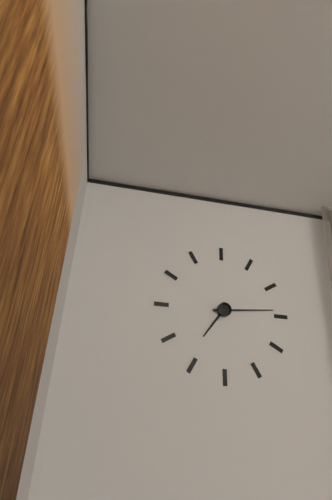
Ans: 7:14
